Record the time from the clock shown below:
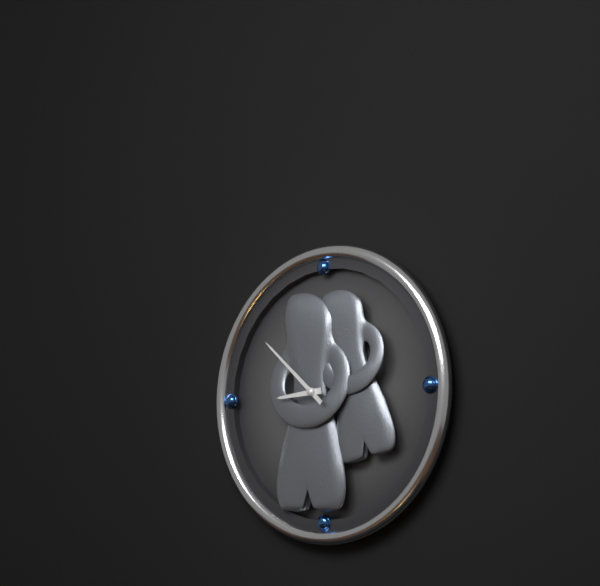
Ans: 8:52
